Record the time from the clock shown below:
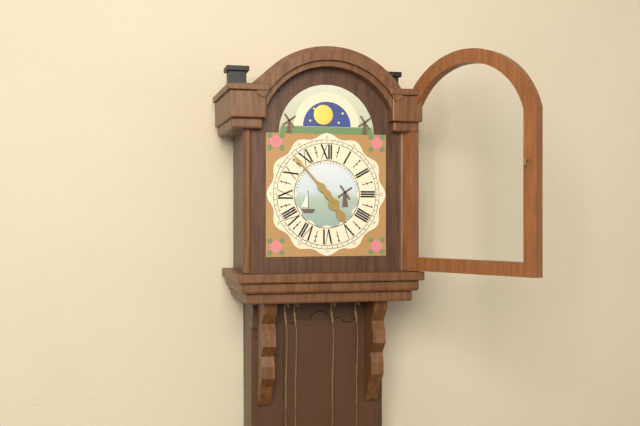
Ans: 4:53
